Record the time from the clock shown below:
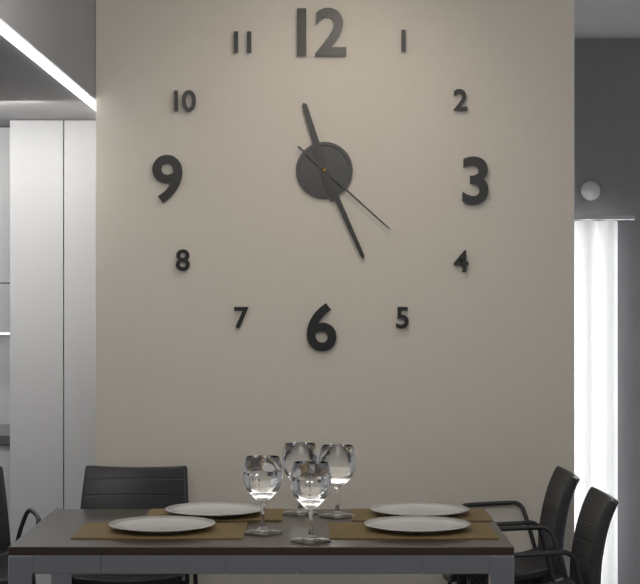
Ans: 11:26:22
